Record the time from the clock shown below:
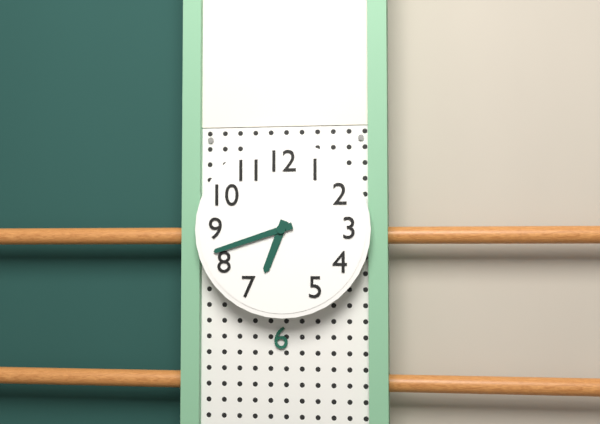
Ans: 6:42
